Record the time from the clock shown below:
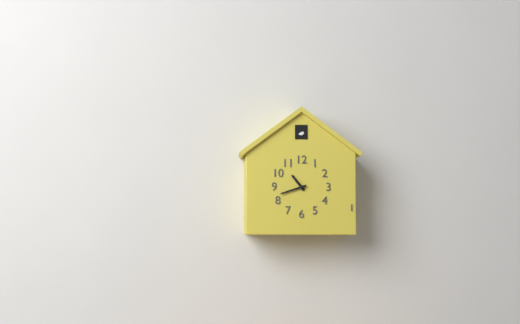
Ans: 10:42
